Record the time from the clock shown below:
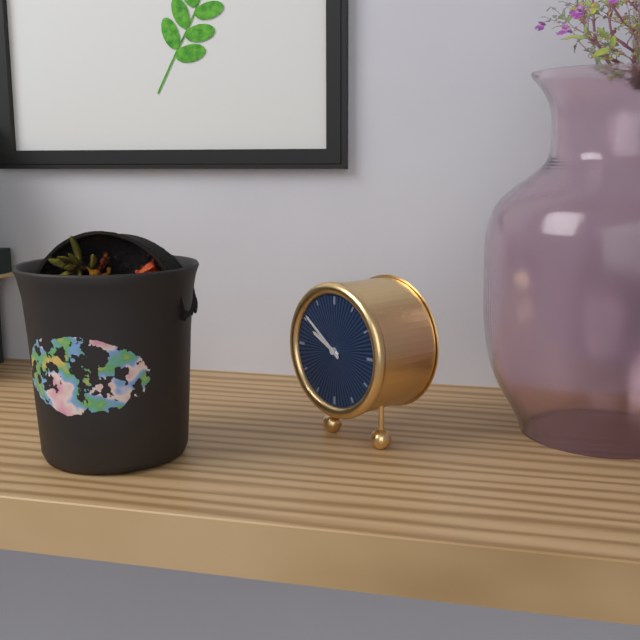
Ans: 9:51
